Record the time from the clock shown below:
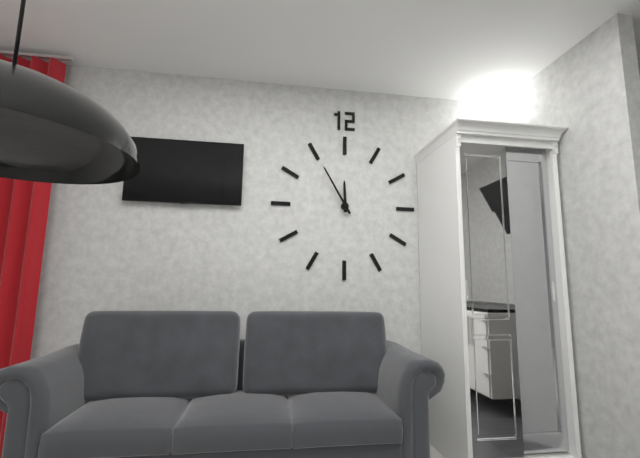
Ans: 11:55
